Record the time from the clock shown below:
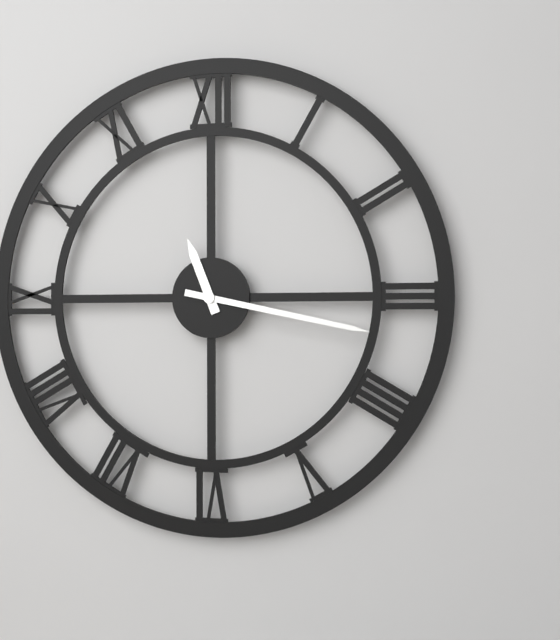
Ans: 11:17
